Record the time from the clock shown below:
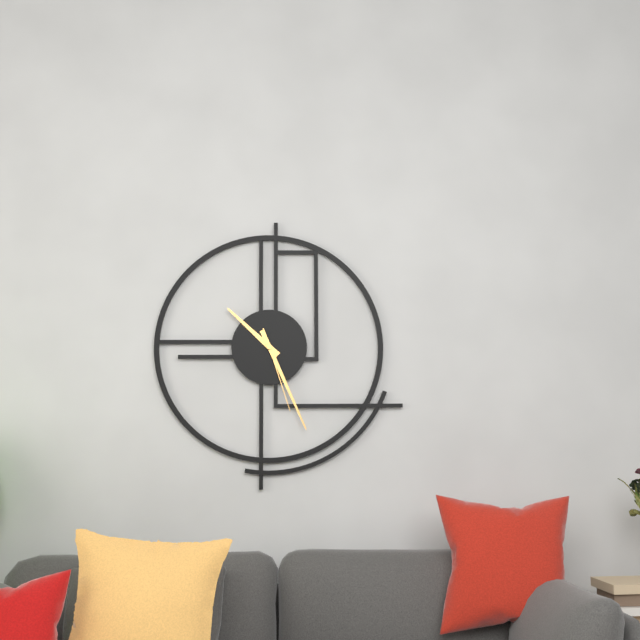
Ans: 10:26:27
